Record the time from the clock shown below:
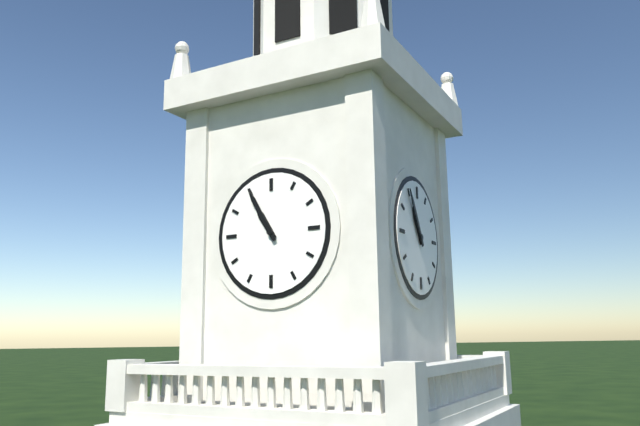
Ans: 10:55
